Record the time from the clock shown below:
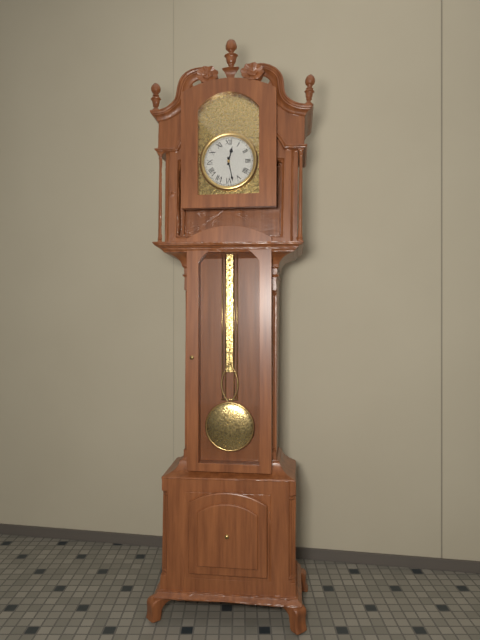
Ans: 12:28
